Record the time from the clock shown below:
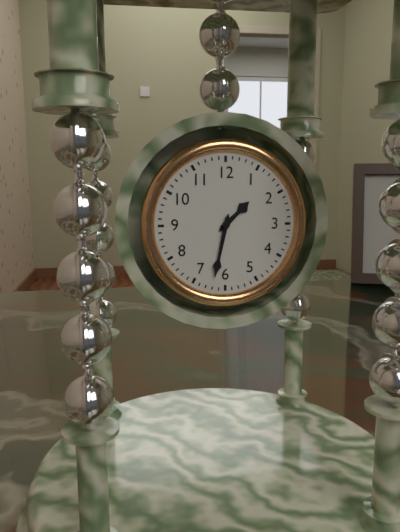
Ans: 1:32
